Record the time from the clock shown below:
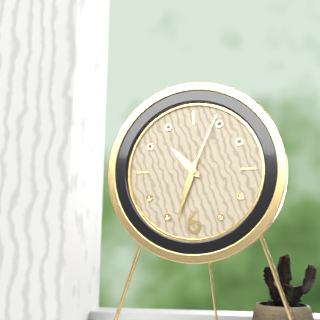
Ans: 10:33:04
